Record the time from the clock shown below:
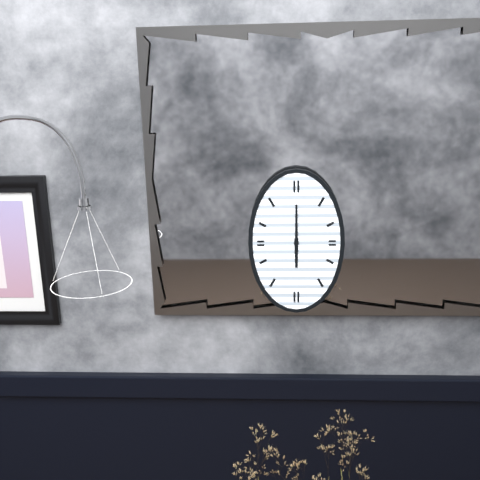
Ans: 6:00
